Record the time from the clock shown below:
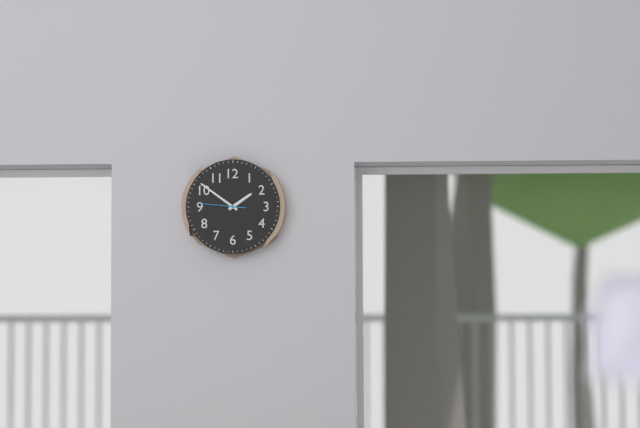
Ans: 1:51
